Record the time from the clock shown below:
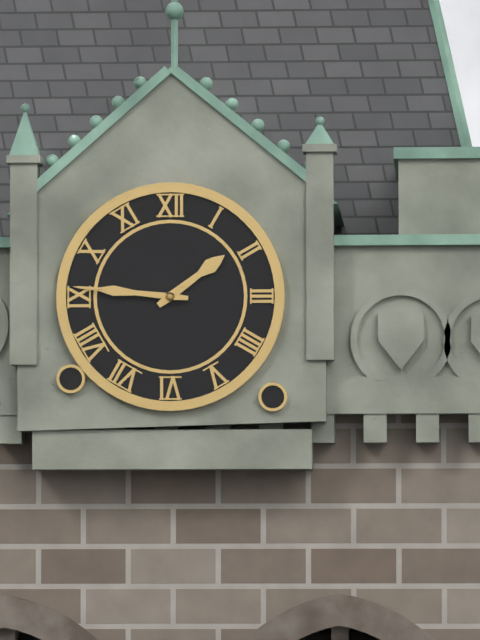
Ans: 1:46
